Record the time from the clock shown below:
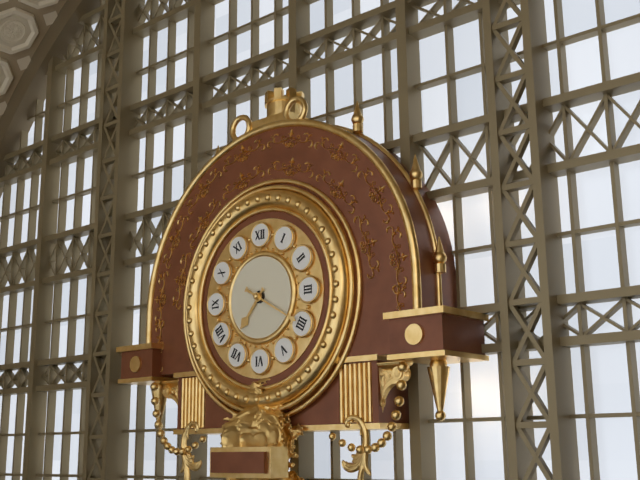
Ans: 7:20
